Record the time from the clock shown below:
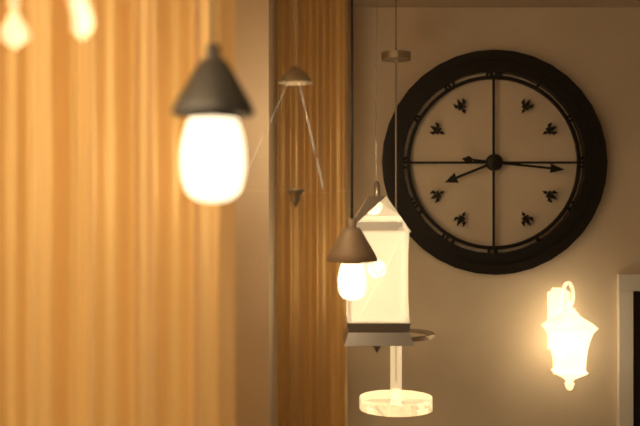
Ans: 8:16
